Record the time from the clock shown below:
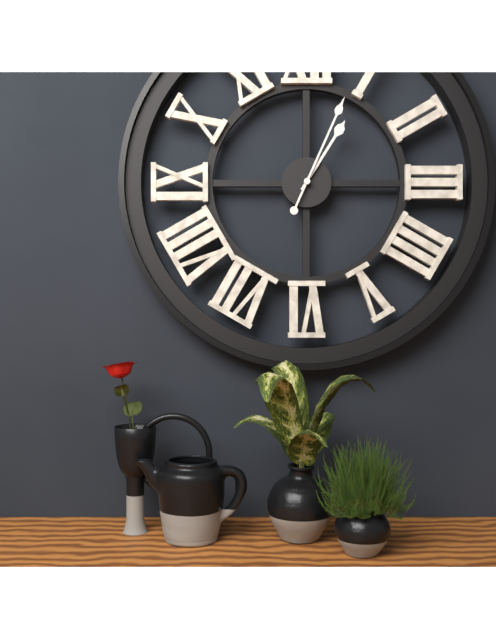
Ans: 1:04
